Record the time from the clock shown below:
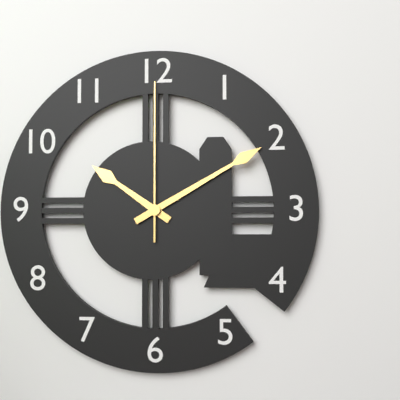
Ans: 10:10:00
